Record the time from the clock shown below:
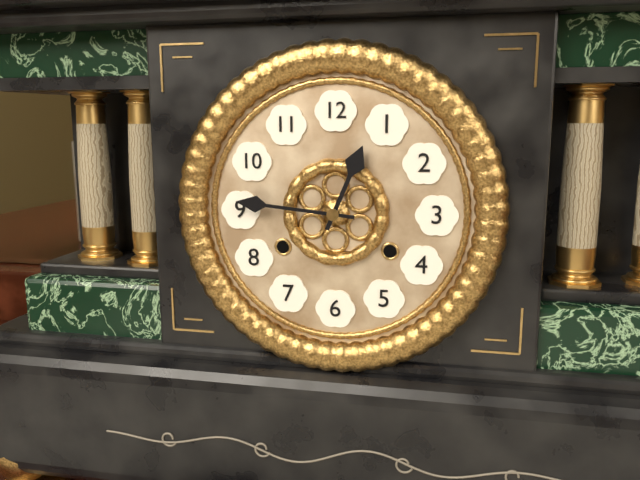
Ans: 12:46
